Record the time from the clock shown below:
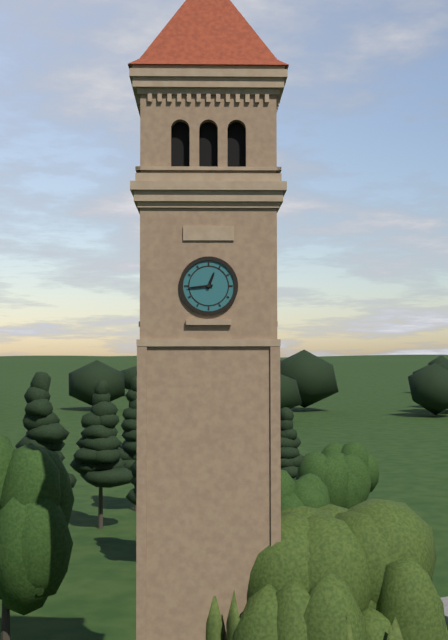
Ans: 12:44
